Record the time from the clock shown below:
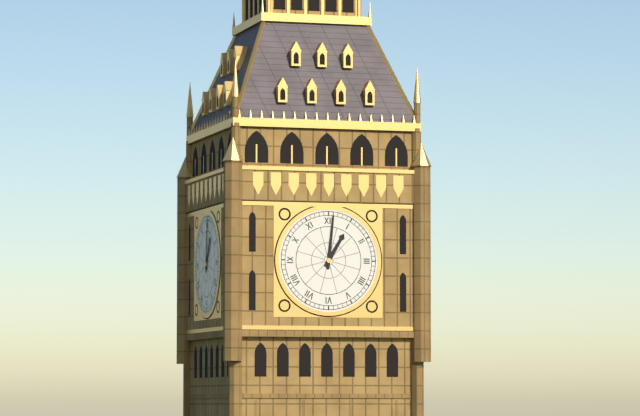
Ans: 1:01
